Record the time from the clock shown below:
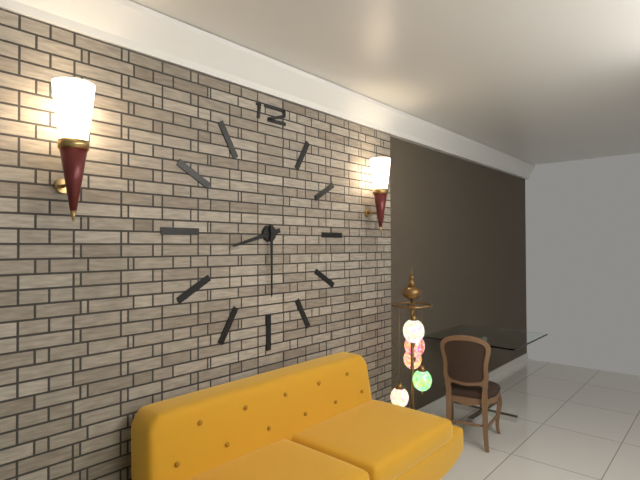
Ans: 8:30
